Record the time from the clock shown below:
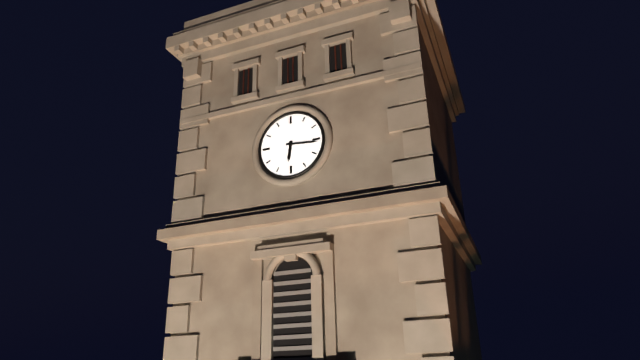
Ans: 6:16
